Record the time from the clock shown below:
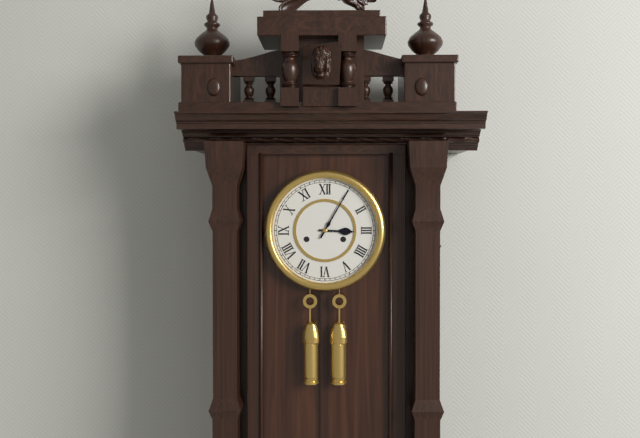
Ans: 3:05
